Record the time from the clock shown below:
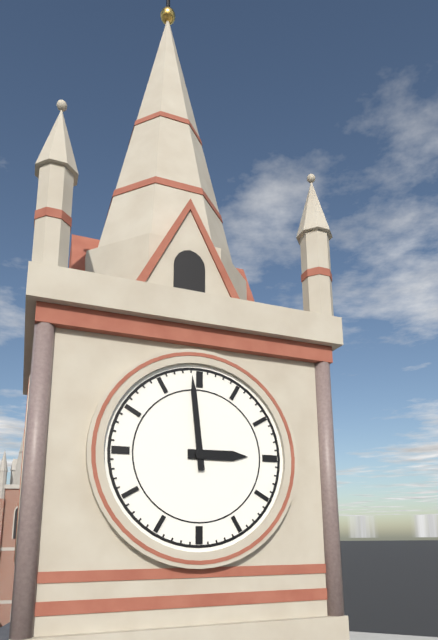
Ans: 2:59
